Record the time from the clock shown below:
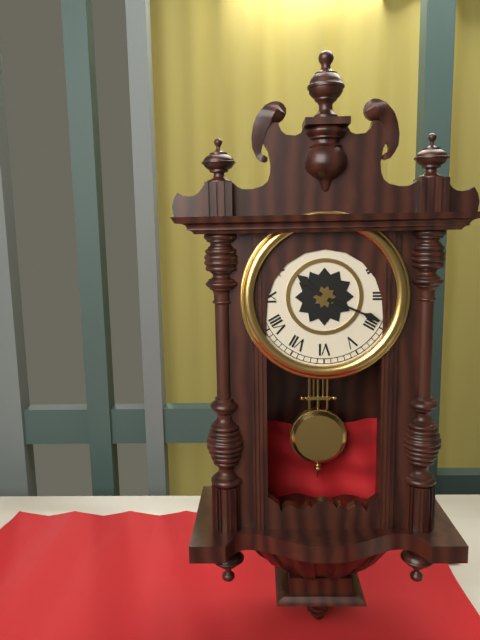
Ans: 10:19
